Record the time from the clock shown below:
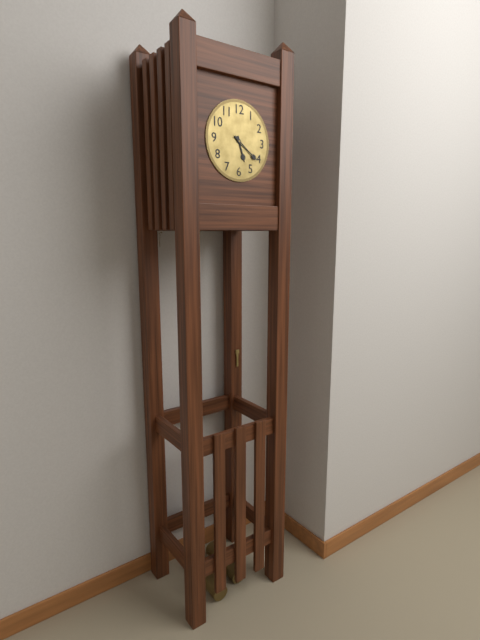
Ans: 5:21
